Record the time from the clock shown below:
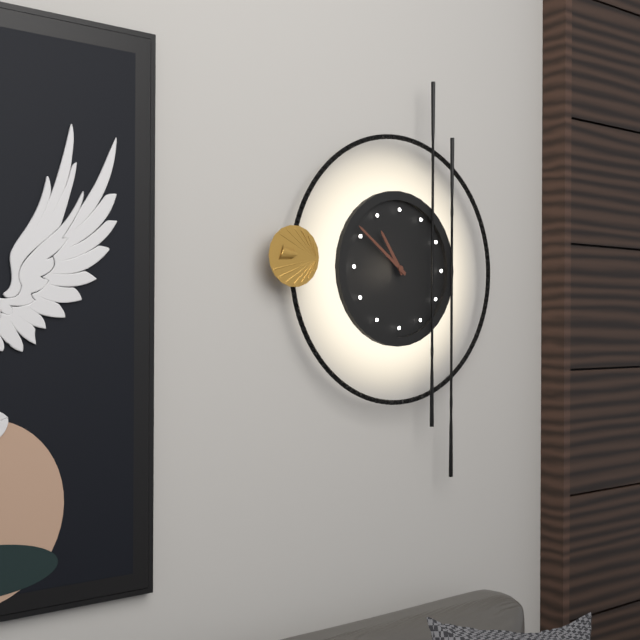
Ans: 10:51
